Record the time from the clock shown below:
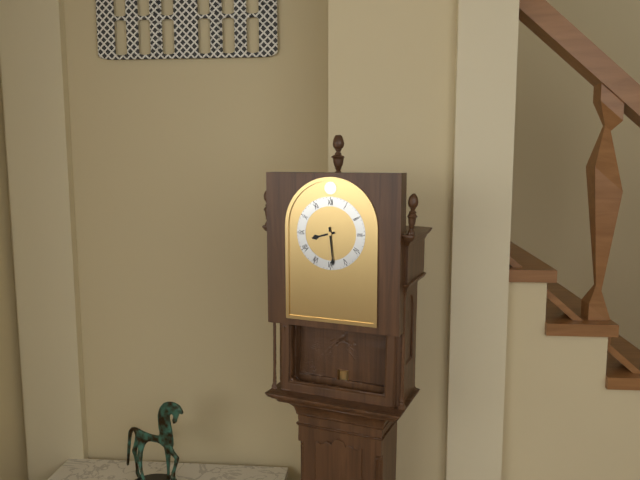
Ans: 8:29
